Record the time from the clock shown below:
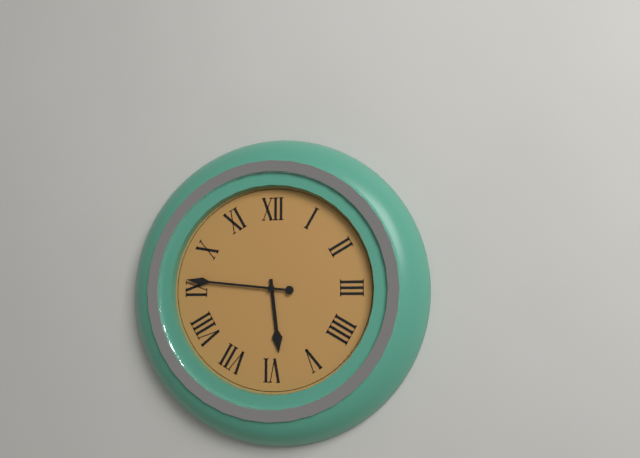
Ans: 5:46
